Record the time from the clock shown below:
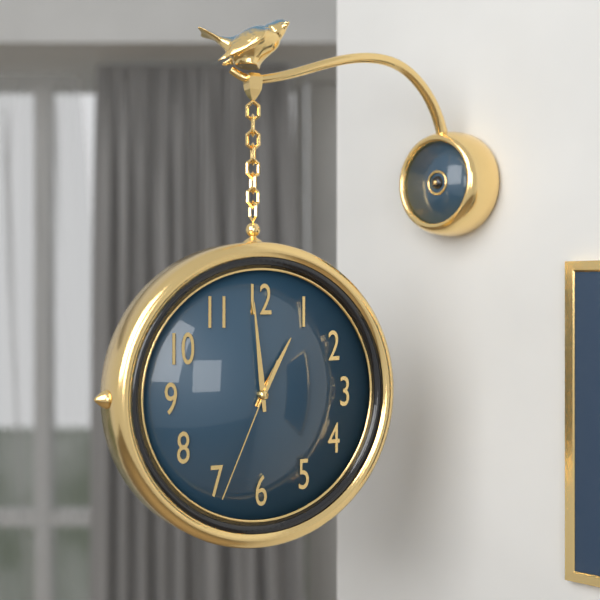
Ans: 12:59:34
